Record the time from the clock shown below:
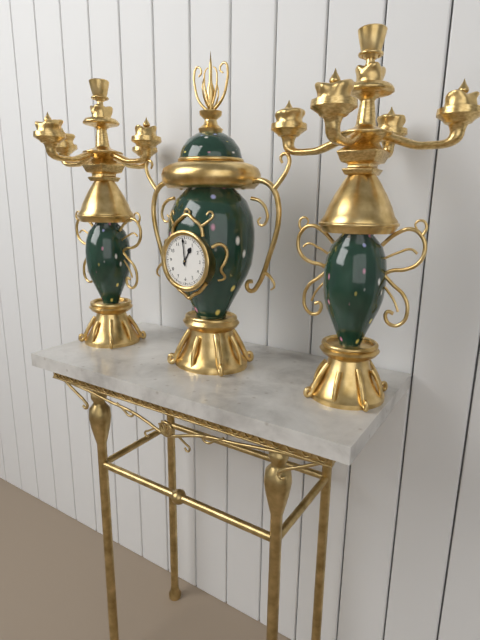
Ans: 12:59
